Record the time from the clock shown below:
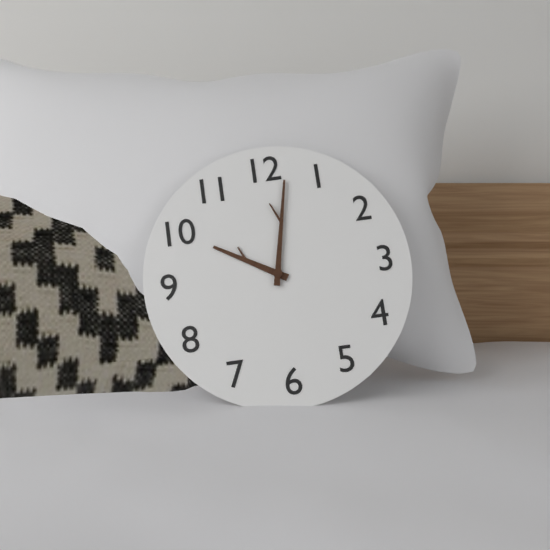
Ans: 10:02
